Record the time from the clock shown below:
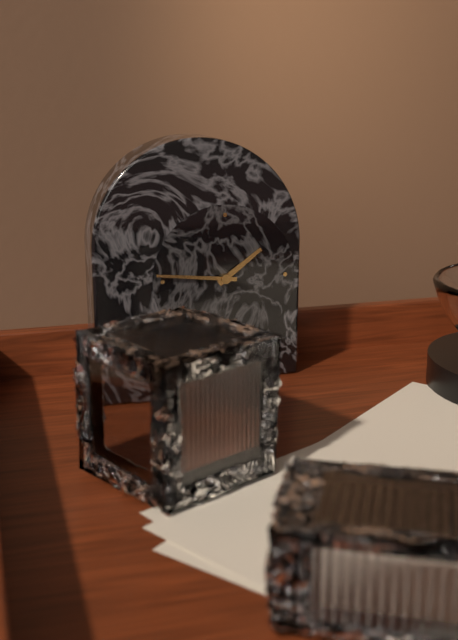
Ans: 1:46
